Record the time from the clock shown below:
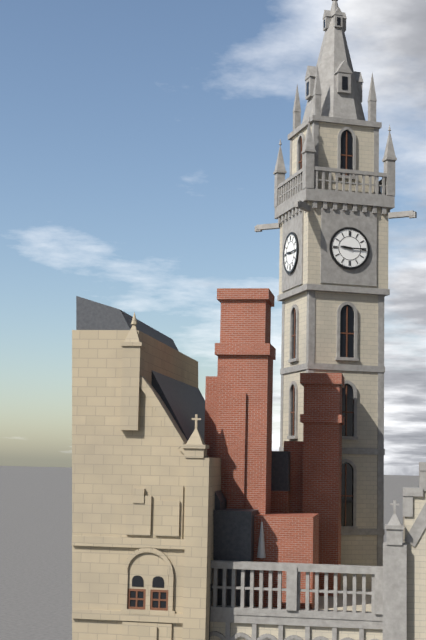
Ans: 9:15
